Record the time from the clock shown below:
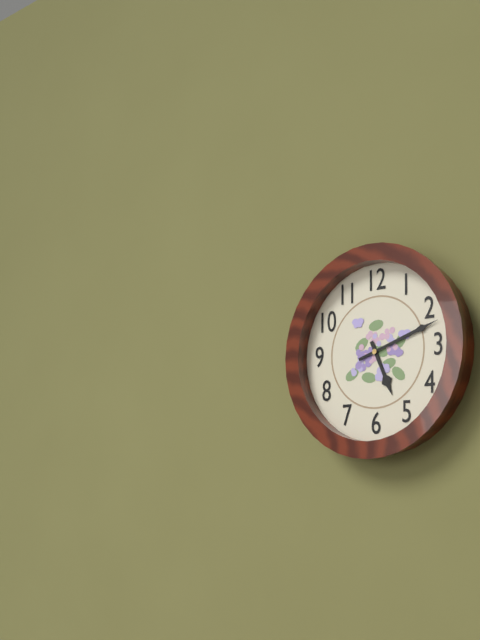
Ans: 5:12
